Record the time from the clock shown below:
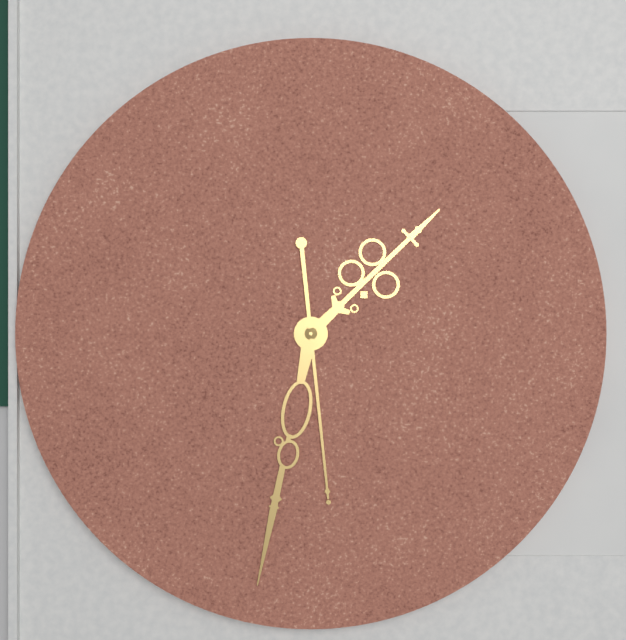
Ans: 1:32:29
